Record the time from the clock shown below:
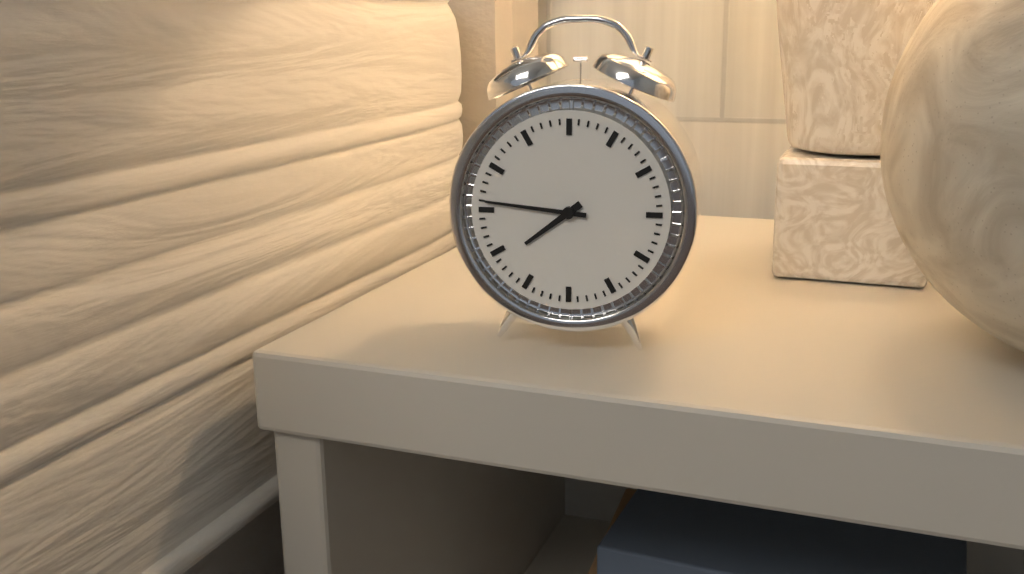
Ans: 7:46
